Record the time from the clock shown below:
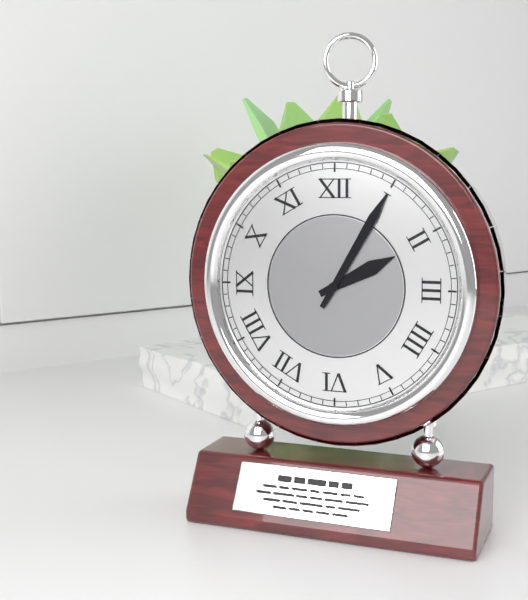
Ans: 2:05
